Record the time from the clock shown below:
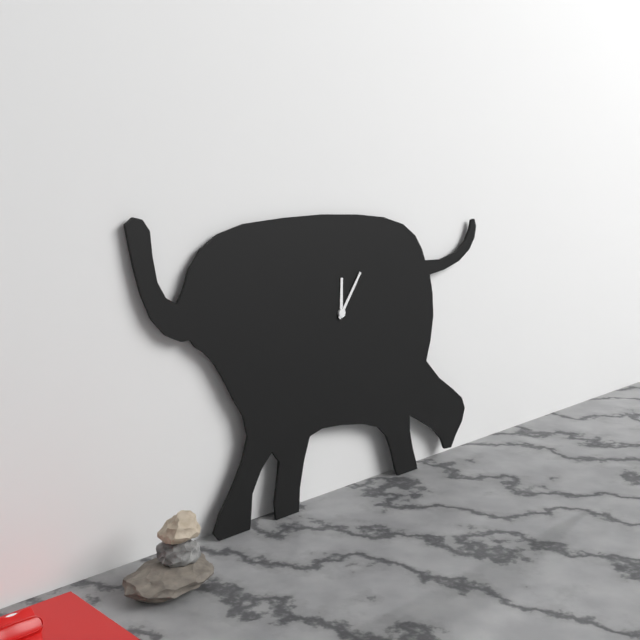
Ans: 12:06
